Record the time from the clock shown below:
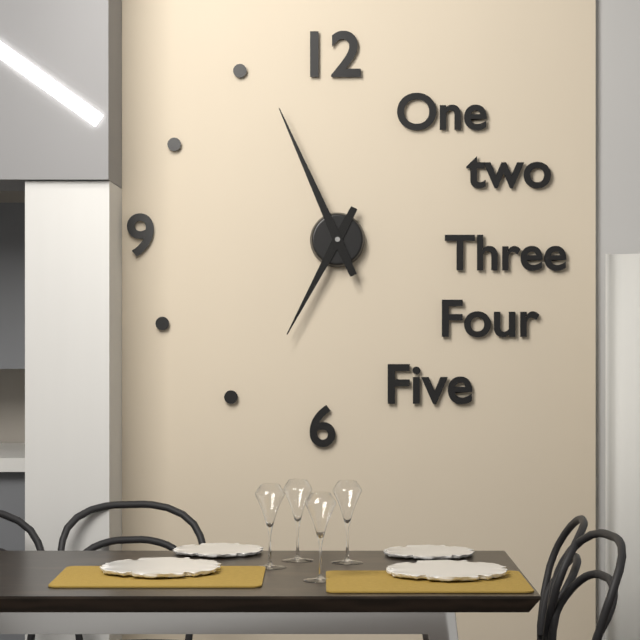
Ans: 6:56
